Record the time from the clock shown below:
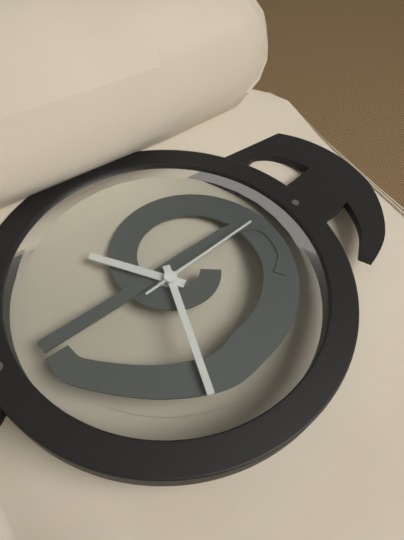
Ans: 1:48:29
